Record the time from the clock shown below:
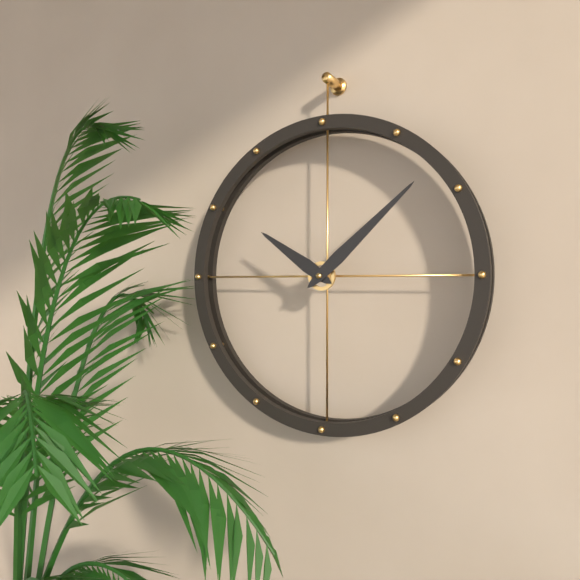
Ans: 10:08
